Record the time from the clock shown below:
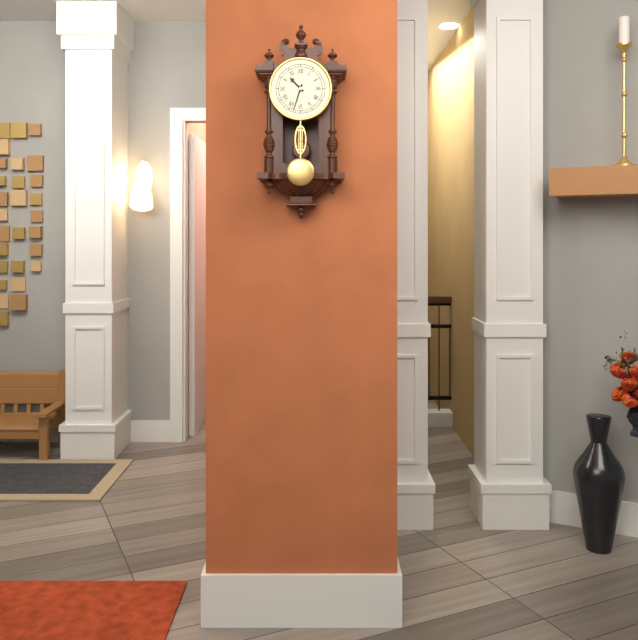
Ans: 10:33
